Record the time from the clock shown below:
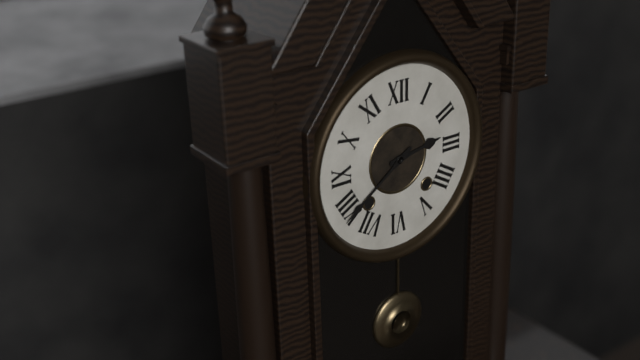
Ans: 2:39
